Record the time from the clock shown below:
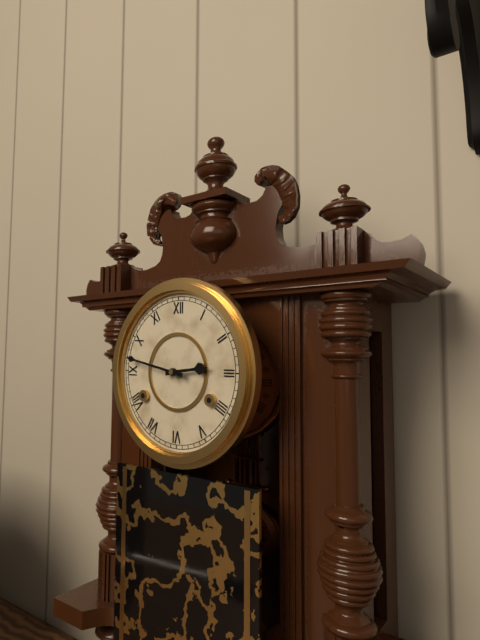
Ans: 2:47
